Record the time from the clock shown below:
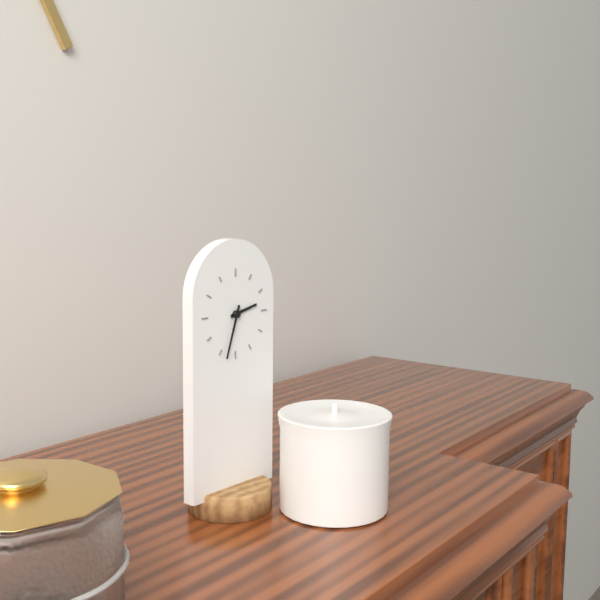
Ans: 2:33
